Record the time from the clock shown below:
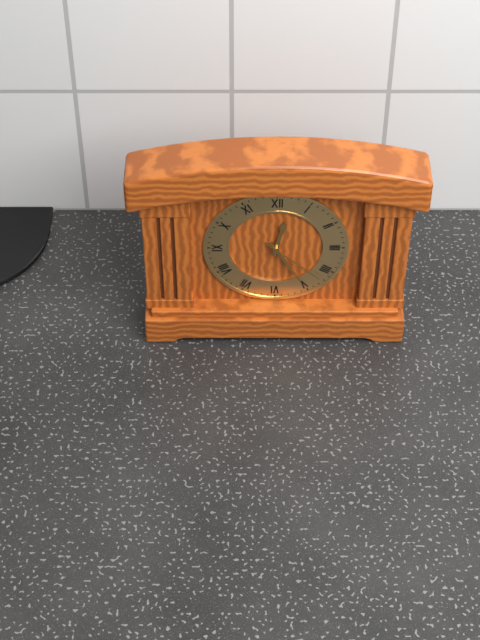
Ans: 12:25:22
